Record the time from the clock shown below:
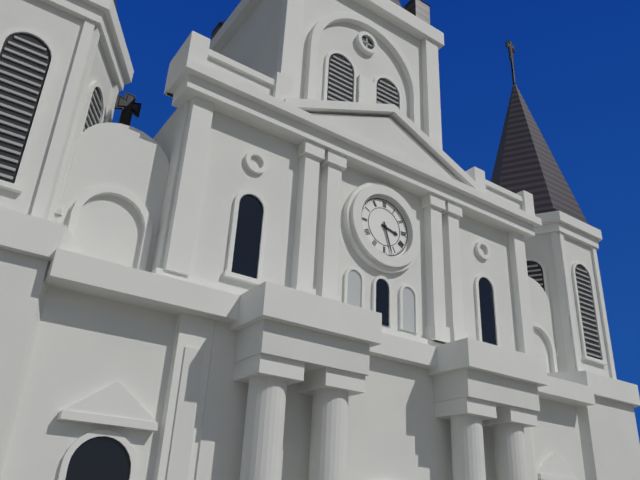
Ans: 3:27
